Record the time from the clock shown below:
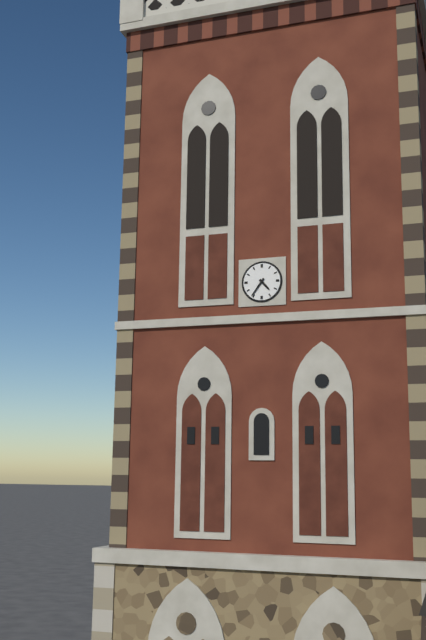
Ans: 4:36
